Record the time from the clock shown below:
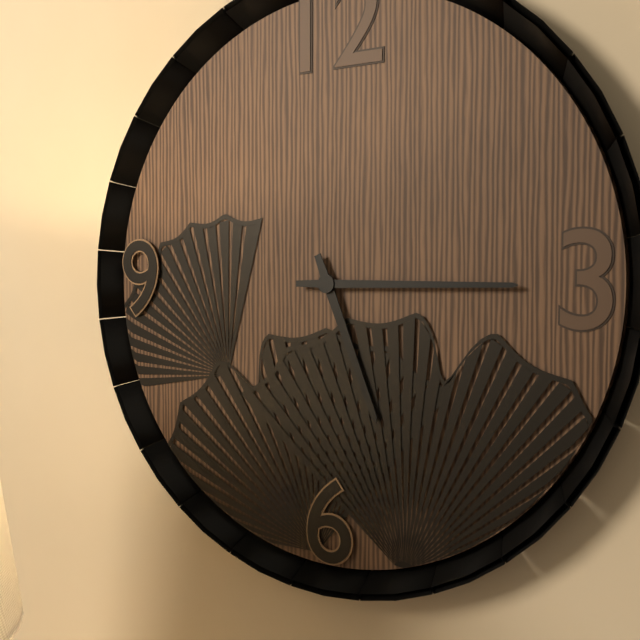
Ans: 5:15
